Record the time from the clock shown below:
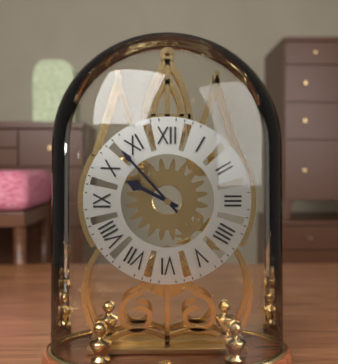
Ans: 9:53
